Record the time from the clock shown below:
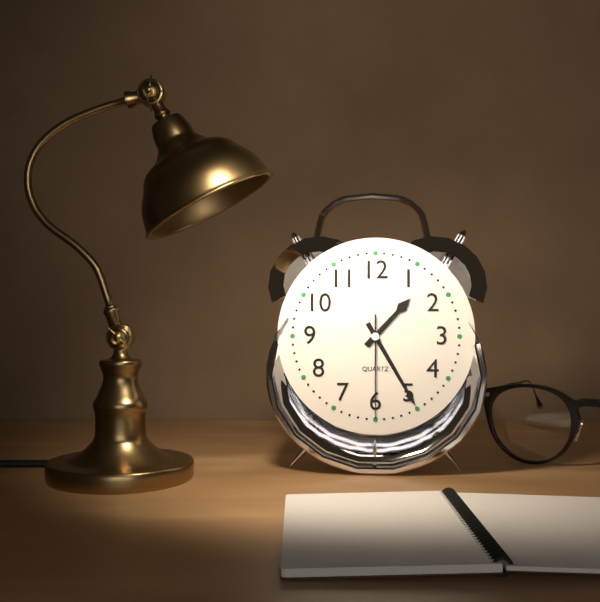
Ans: 1:25:30
